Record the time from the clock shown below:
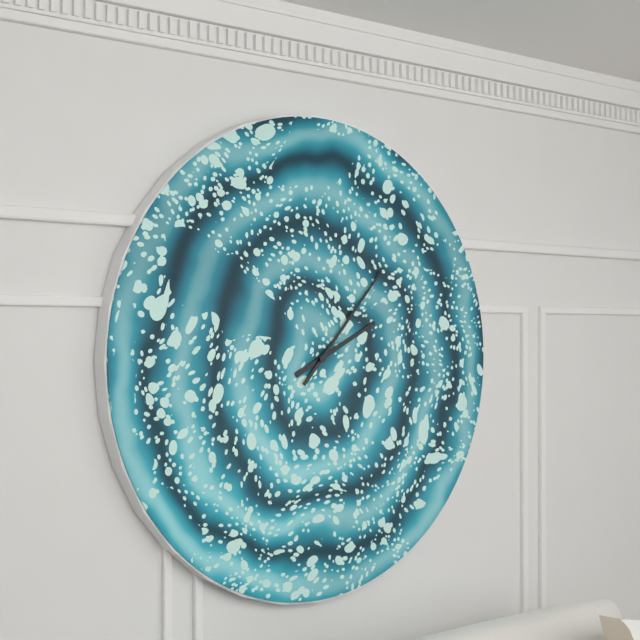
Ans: 2:07
